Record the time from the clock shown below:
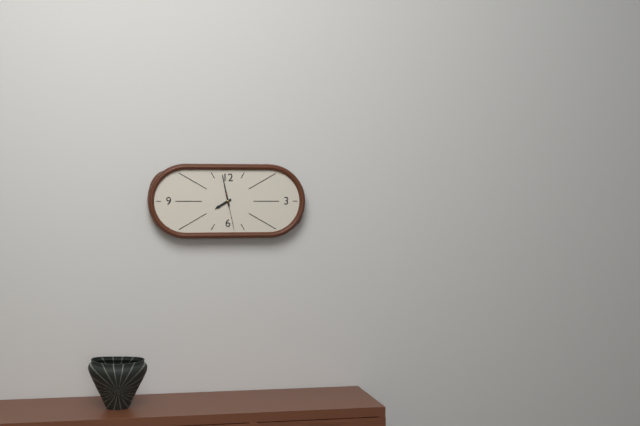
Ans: 7:58
